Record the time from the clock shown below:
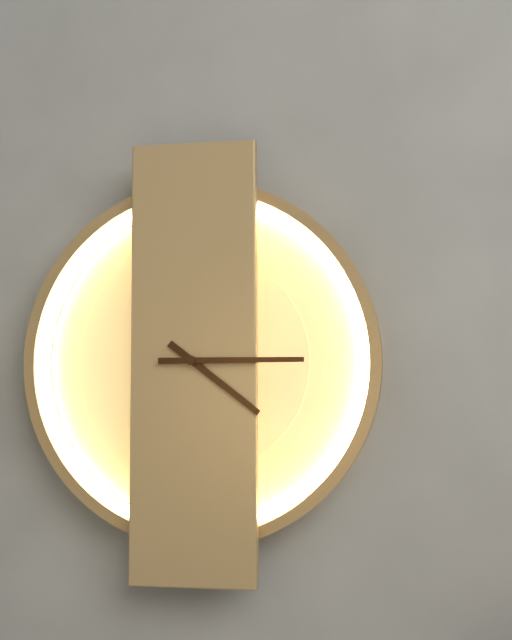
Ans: 4:15
